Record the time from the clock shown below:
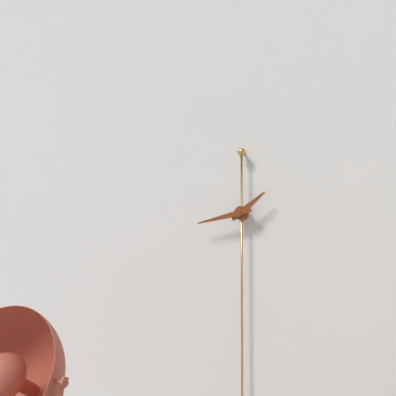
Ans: 1:43
